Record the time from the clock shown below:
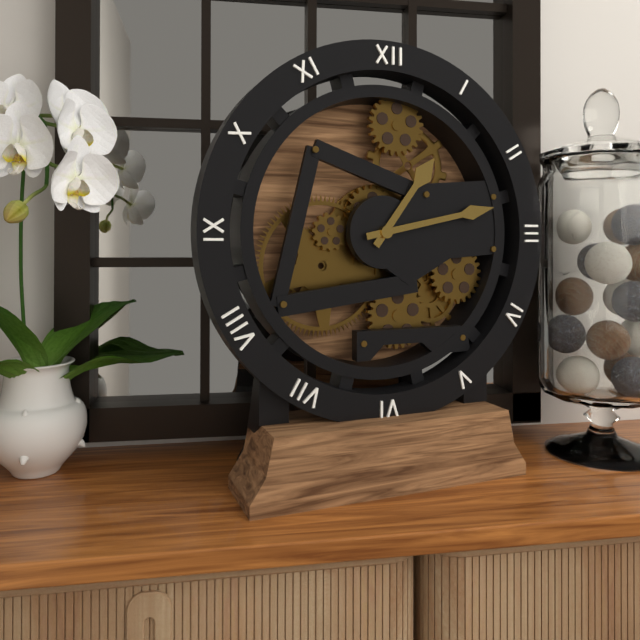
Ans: 1:13
